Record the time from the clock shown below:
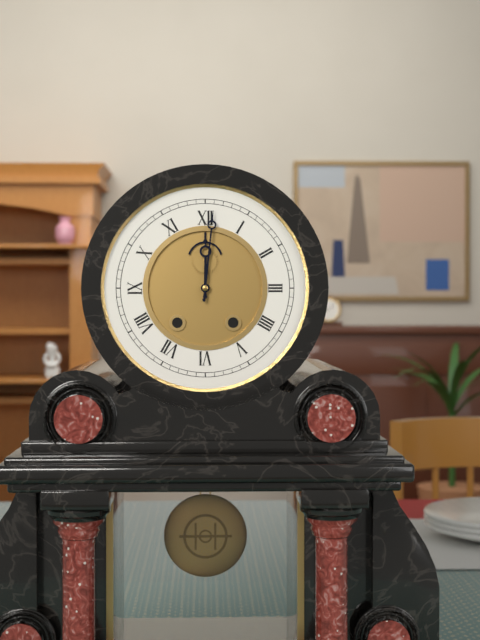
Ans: 12:01
